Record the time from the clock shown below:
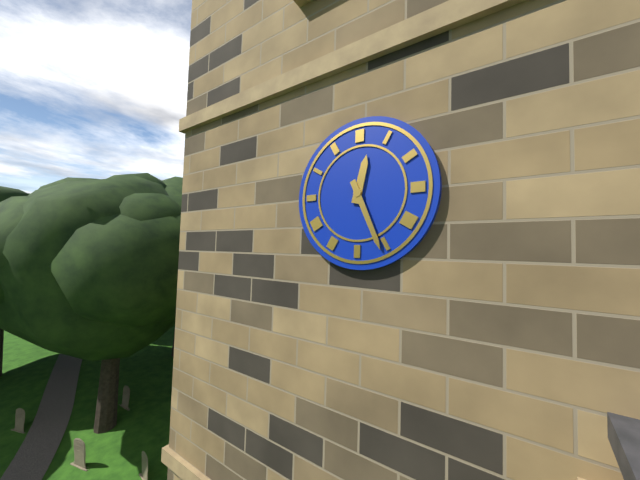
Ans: 12:26
